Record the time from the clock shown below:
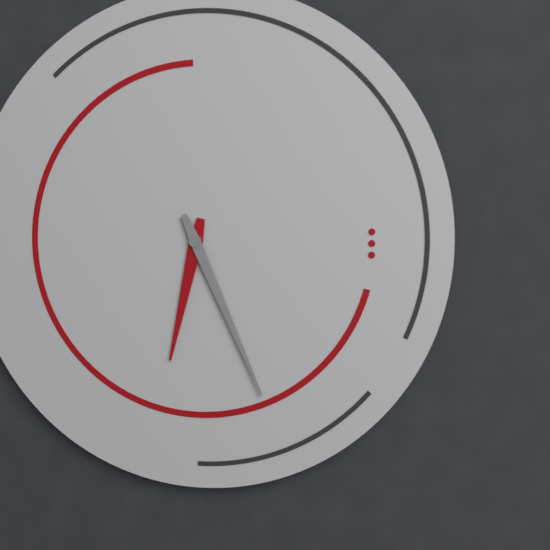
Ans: 6:26
